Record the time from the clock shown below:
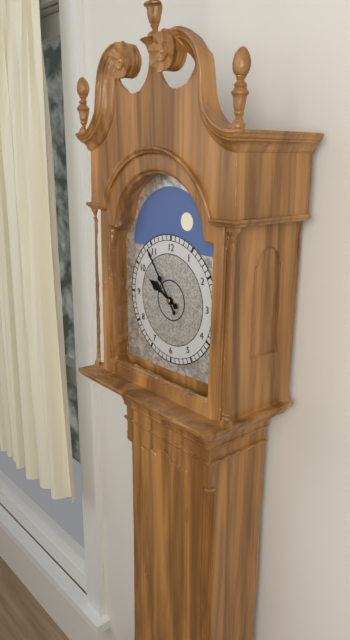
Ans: 9:54
